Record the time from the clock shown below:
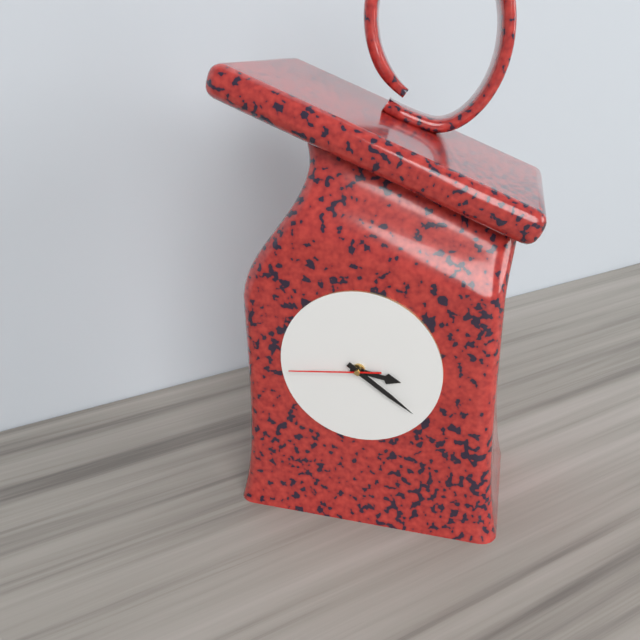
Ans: 3:21:44
